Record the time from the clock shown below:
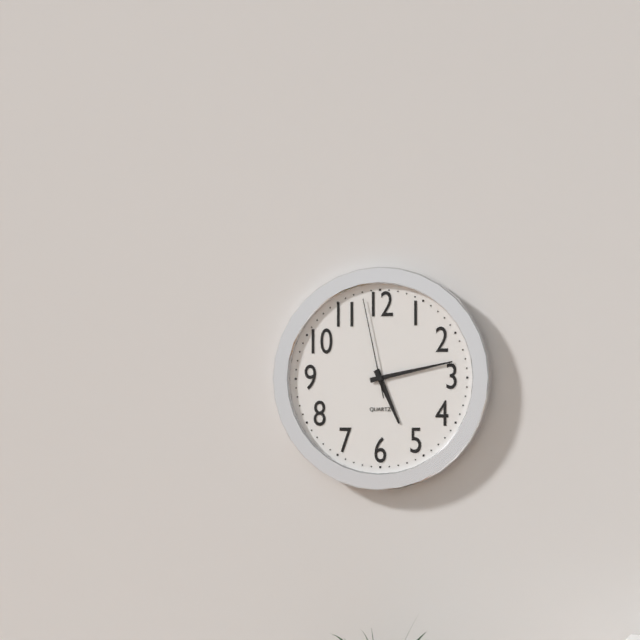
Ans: 5:13:58
